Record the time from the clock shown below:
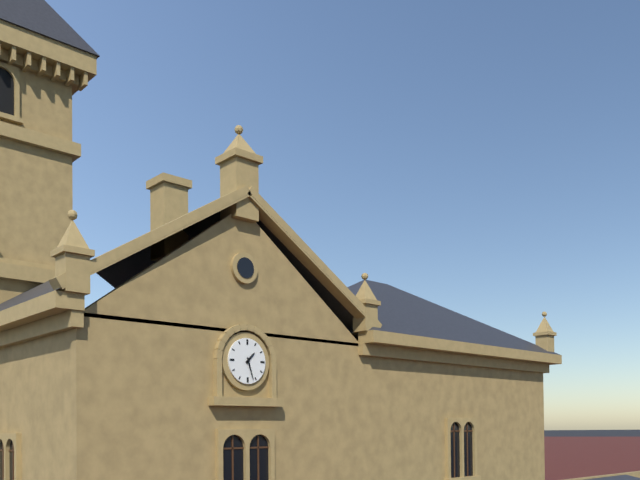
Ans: 1:27
